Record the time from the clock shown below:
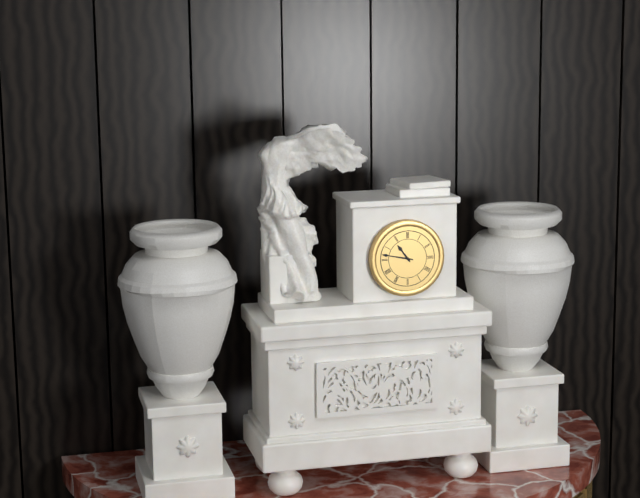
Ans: 10:47
